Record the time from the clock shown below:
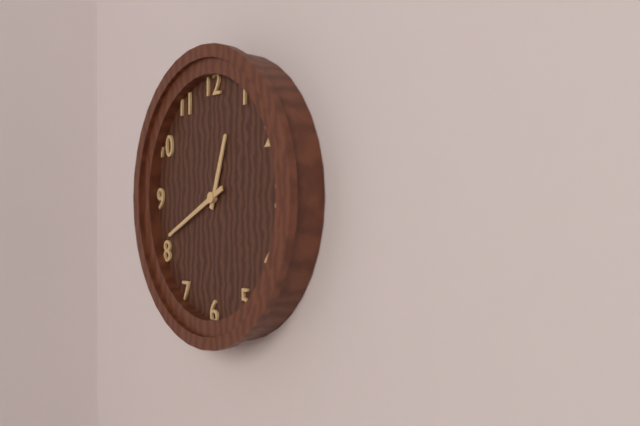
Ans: 12:41
